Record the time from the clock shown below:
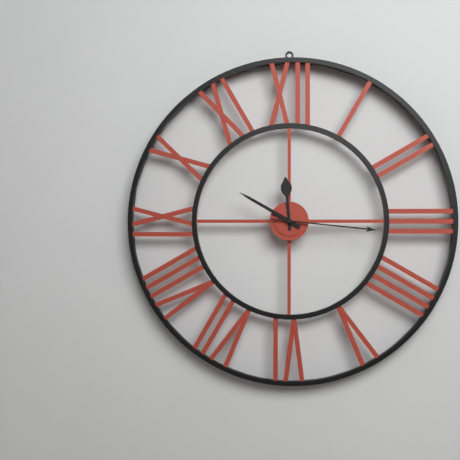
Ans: 11:50:16
